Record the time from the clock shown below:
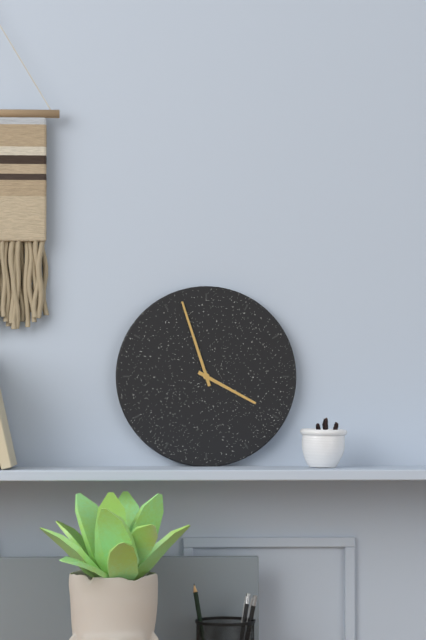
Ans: 3:57
